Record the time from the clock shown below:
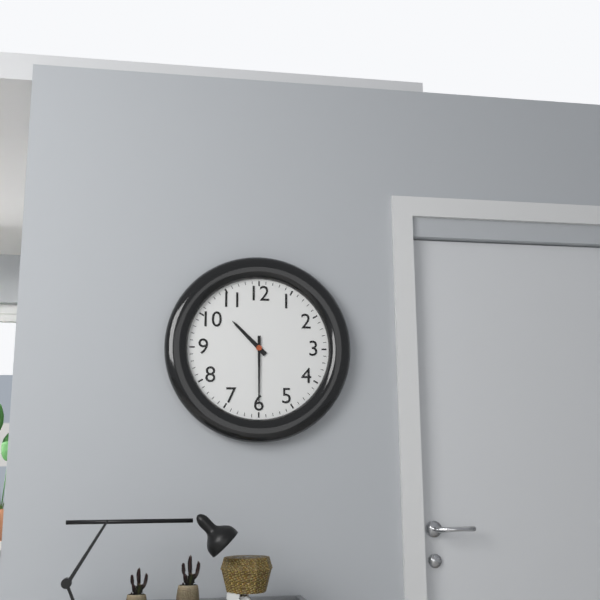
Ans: 10:30
